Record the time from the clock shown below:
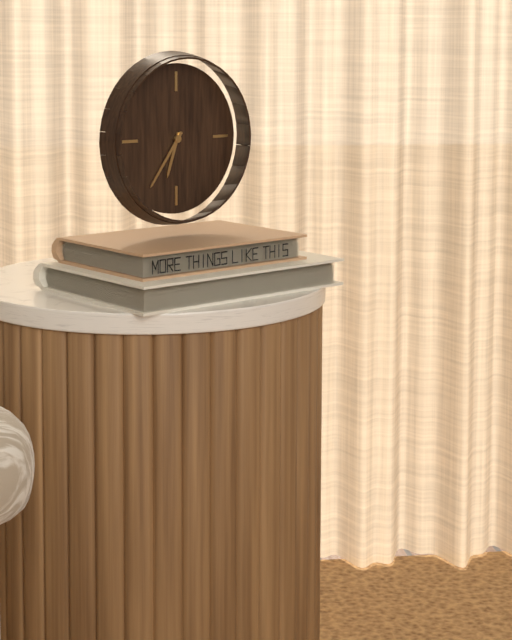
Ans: 6:36
